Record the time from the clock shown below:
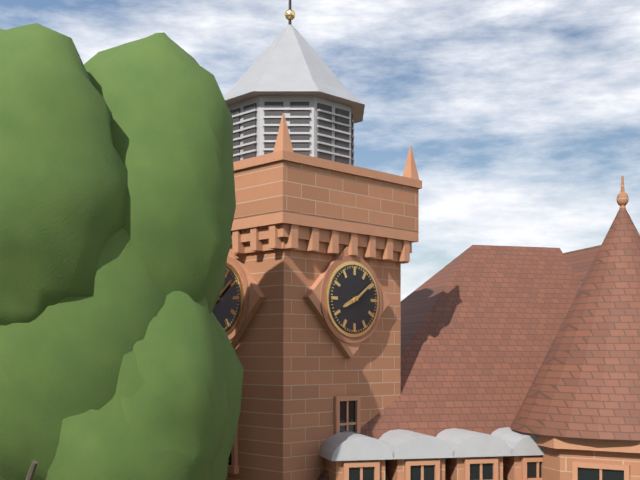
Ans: 8:09
